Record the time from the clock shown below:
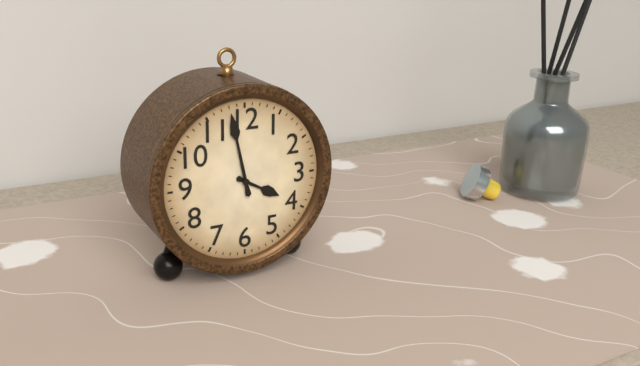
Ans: 3:58
